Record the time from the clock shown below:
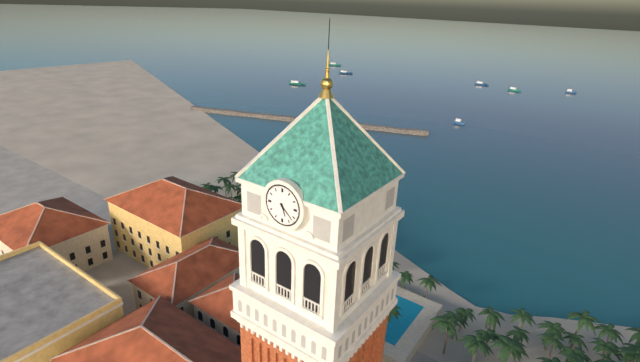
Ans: 5:22
